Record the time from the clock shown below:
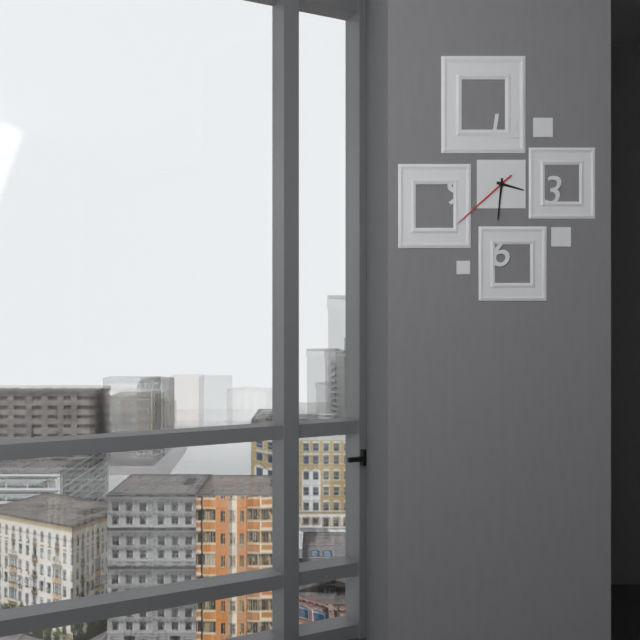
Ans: 3:31:38
